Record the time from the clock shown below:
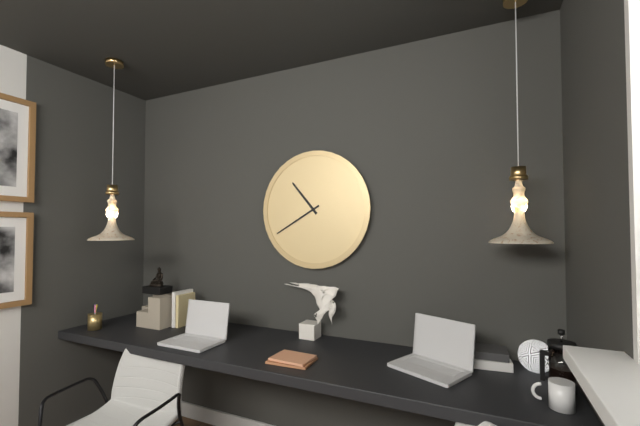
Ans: 10:40
